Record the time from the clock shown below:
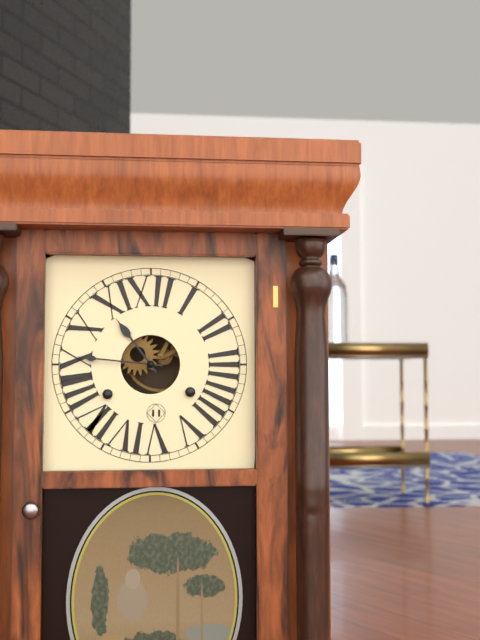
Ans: 10:46
